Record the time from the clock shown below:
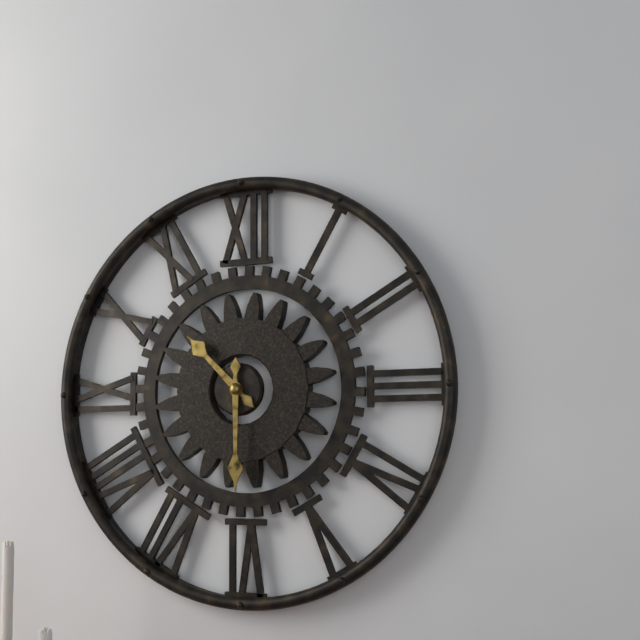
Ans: 10:30
